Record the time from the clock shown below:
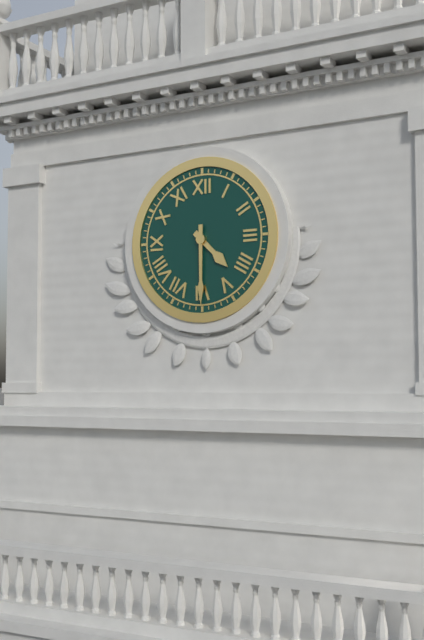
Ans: 4:30
